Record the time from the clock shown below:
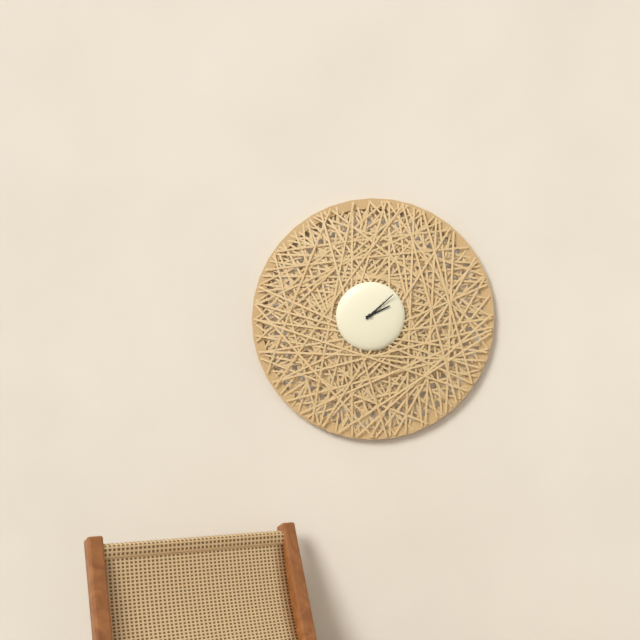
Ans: 2:08
